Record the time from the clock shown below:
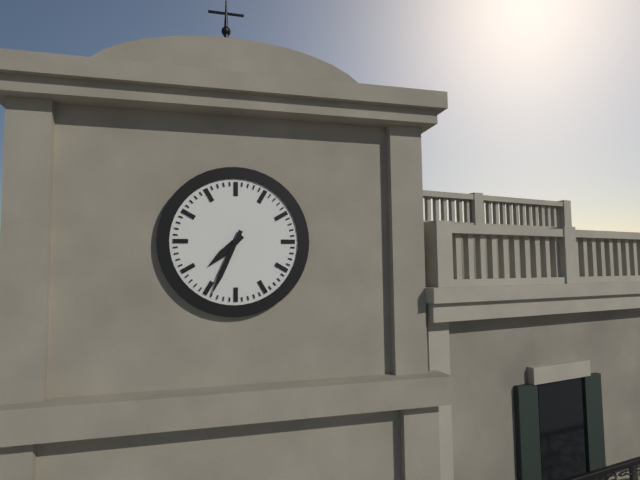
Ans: 7:34
